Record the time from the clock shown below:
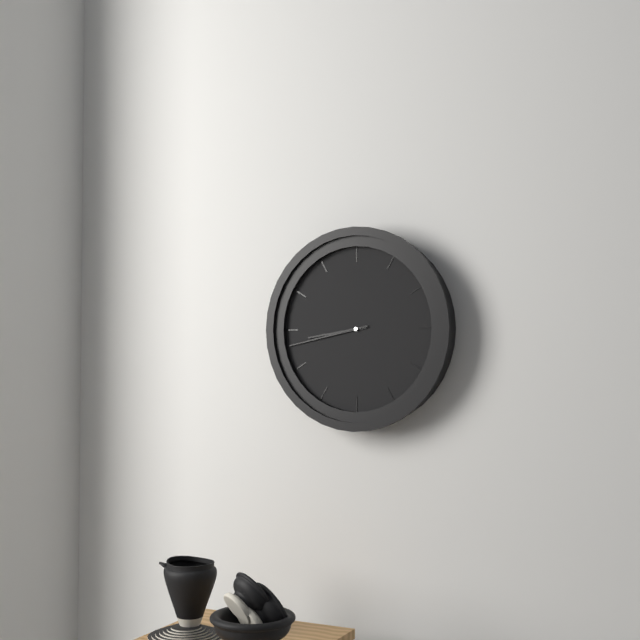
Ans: 8:43
